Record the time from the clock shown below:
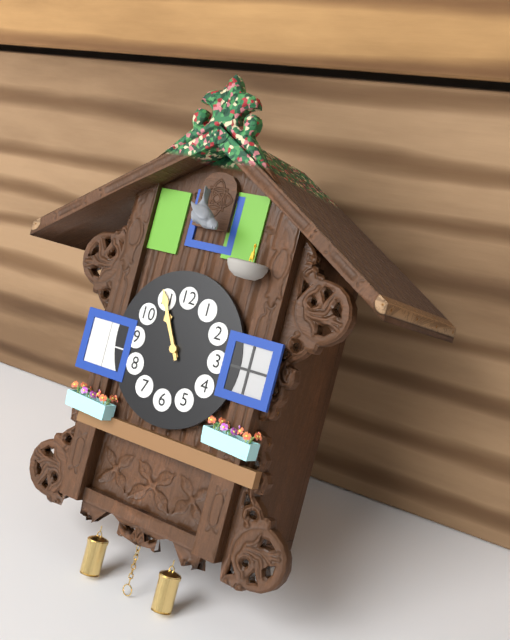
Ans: 10:55
